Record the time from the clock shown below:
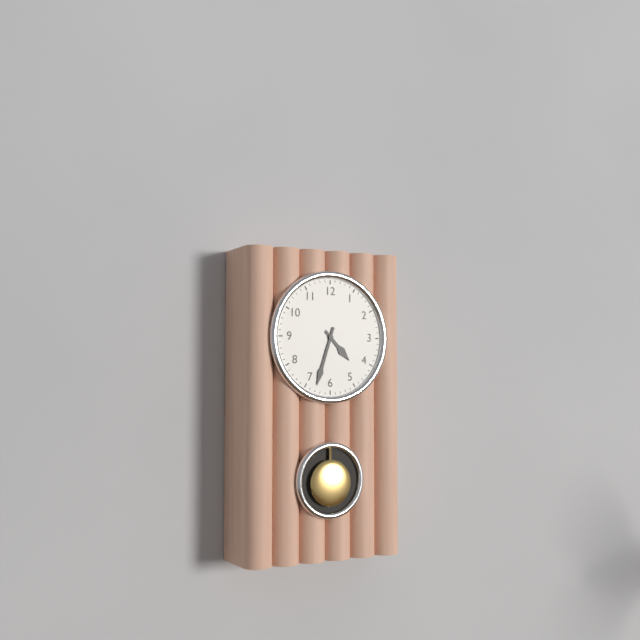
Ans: 4:33
